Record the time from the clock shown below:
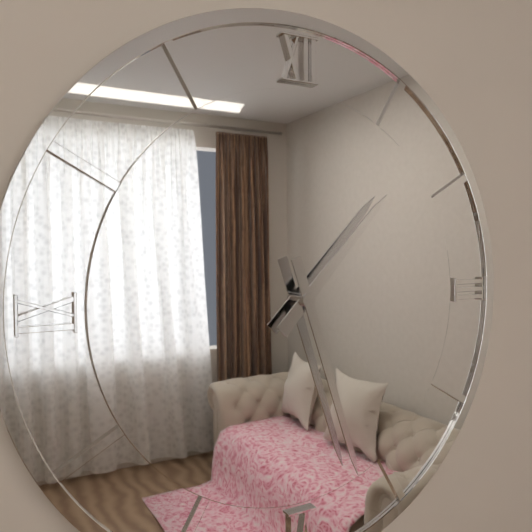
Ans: 1:27
